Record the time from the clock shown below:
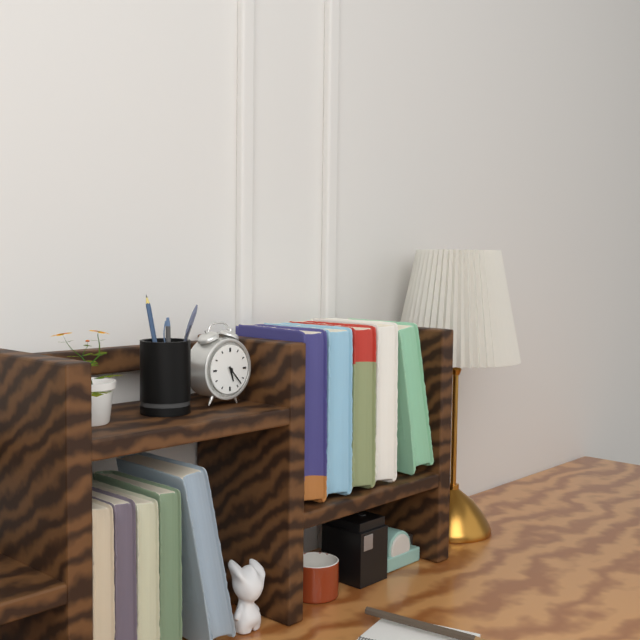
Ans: 5:23
